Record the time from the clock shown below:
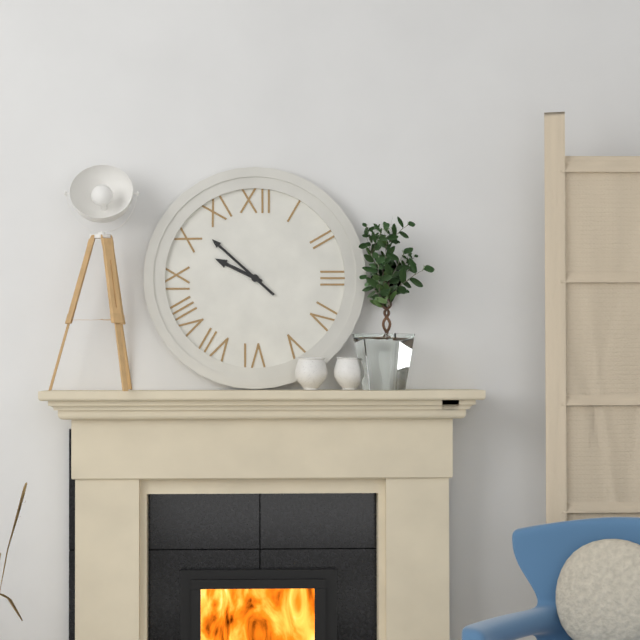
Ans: 9:52
